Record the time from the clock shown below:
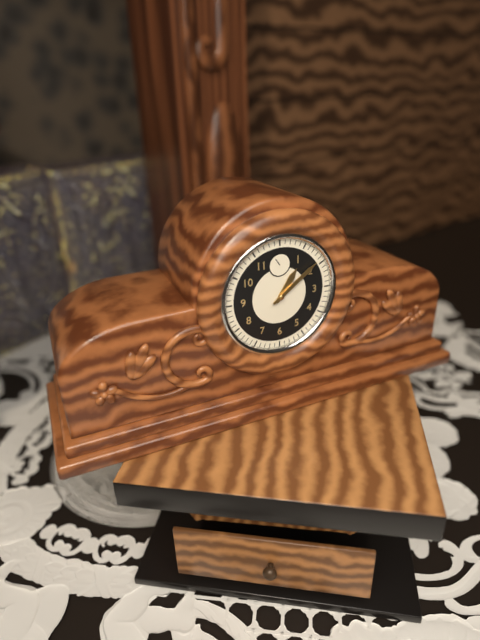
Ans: 1:09
